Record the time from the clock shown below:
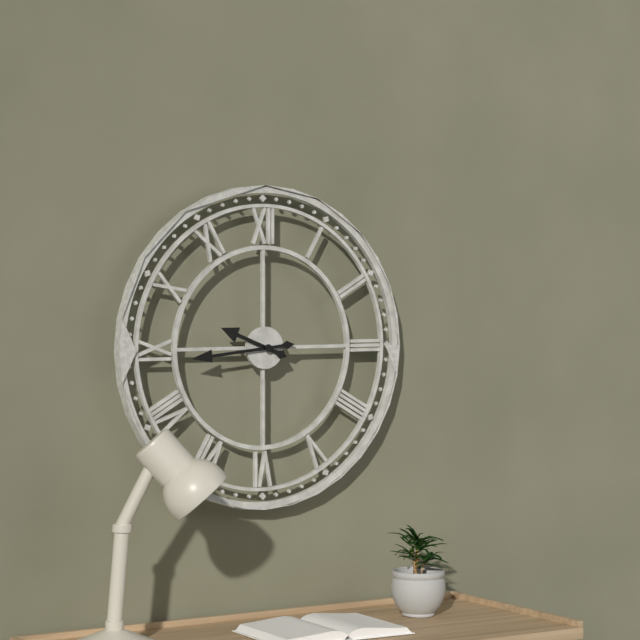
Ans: 9:44
